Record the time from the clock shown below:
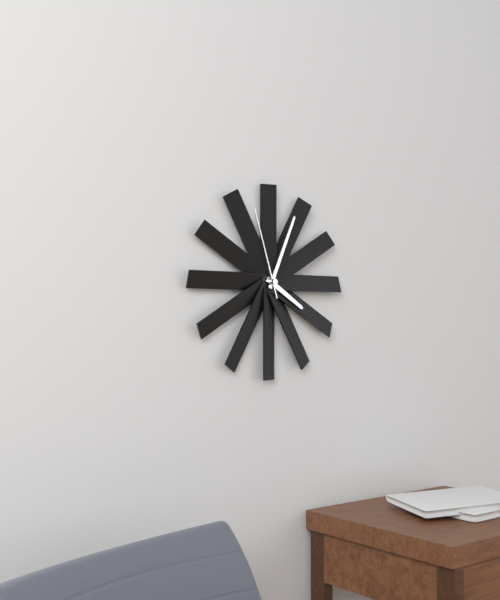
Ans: 4:04:57
